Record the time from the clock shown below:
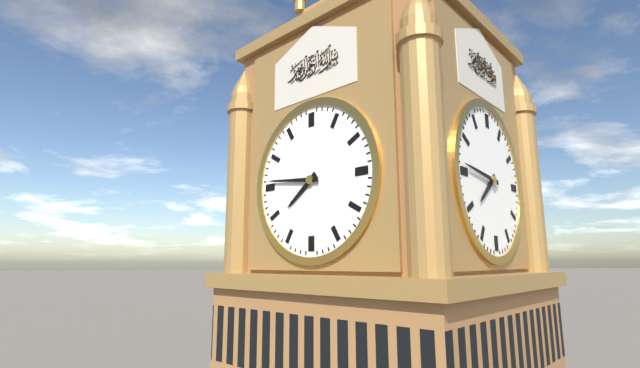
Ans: 7:46
